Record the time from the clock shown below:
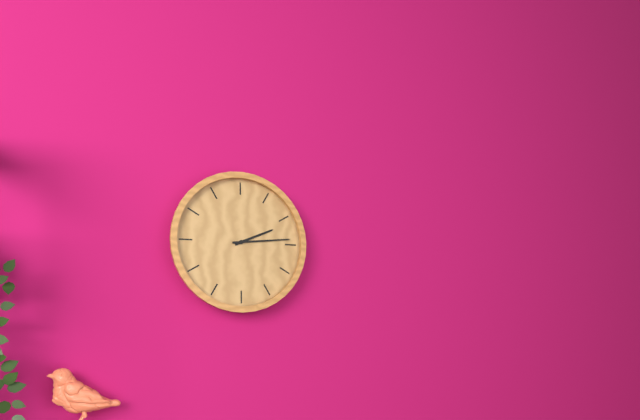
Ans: 2:14
